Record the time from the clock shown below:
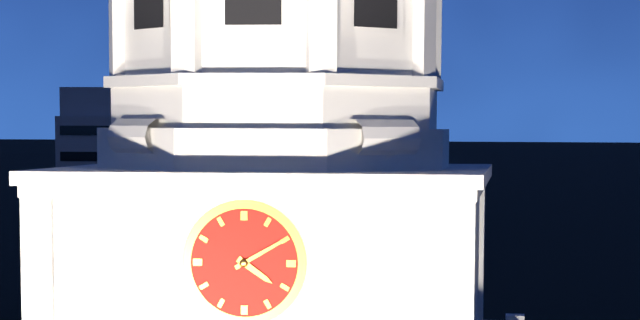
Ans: 4:10
